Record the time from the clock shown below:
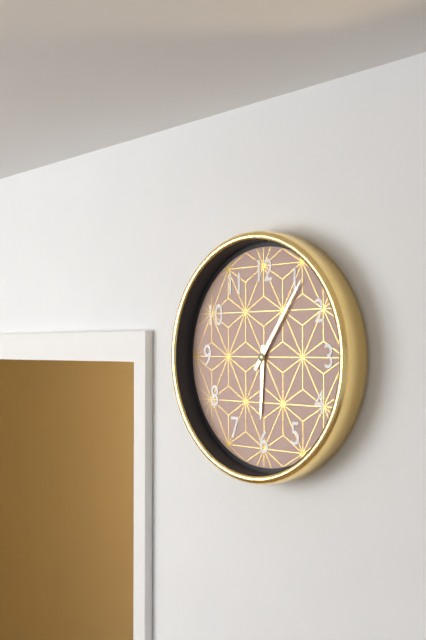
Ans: 6:06
